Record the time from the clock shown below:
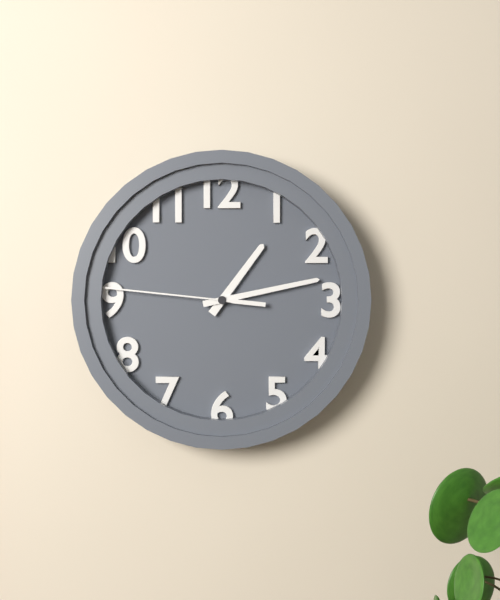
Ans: 1:13:46
